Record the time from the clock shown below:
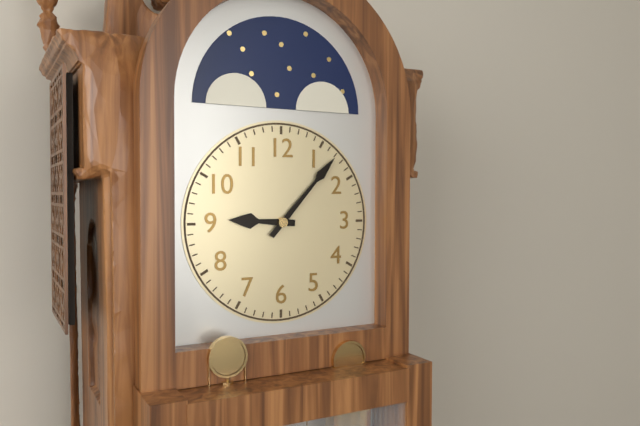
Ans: 9:07
